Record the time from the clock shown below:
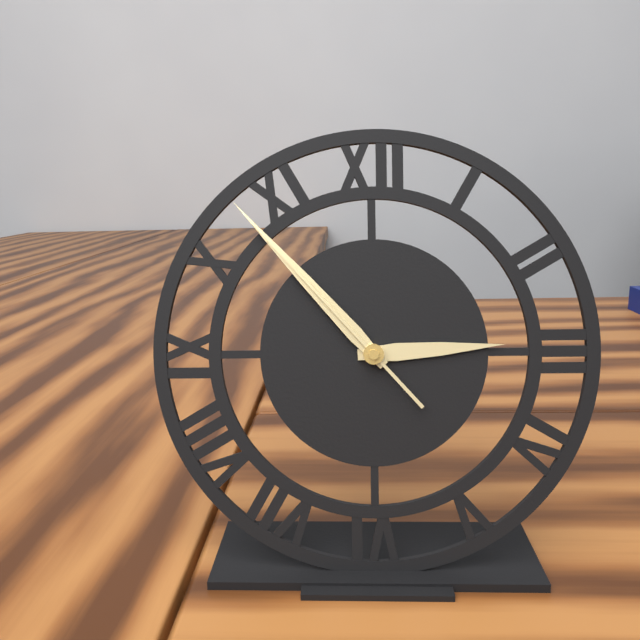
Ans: 2:53:53
